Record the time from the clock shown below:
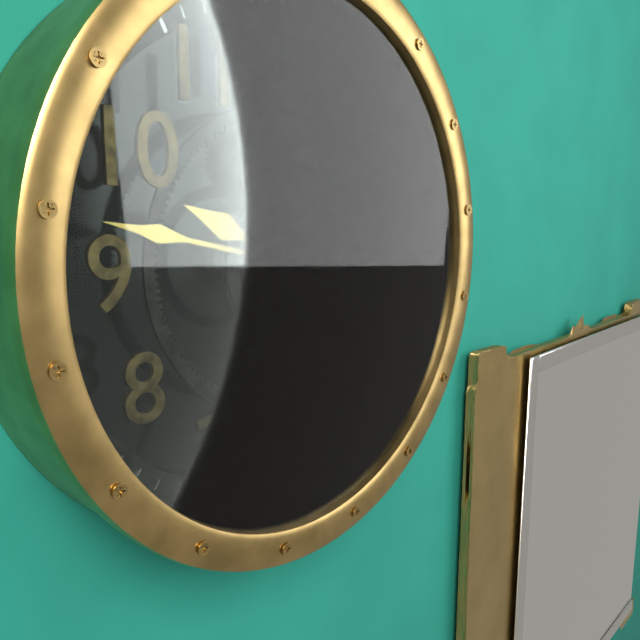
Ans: 9:47
